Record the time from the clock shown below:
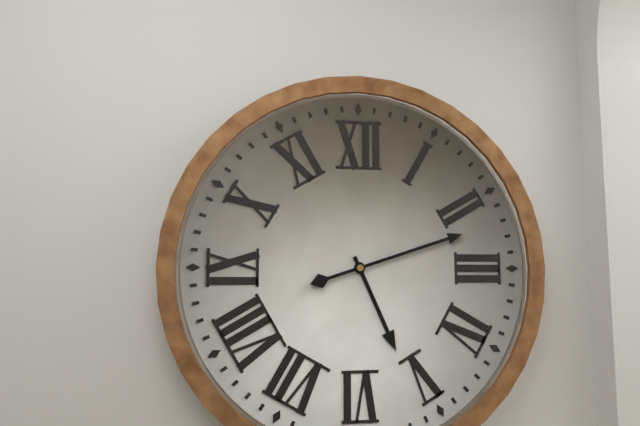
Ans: 5:12
